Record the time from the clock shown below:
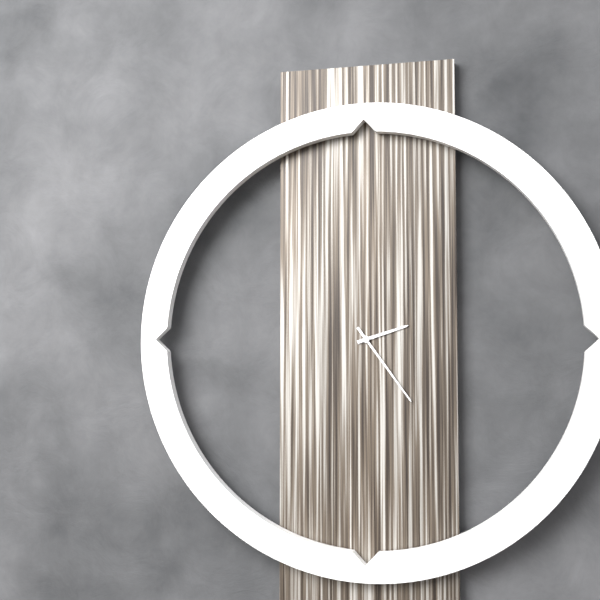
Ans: 2:24
